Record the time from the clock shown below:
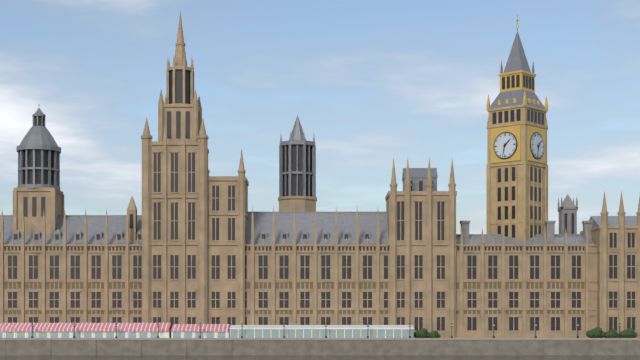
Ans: 1:32
